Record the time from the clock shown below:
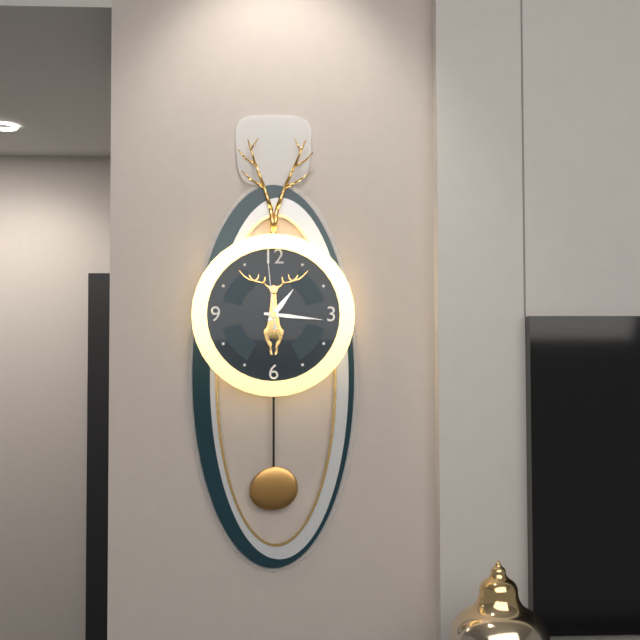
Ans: 1:16:59
